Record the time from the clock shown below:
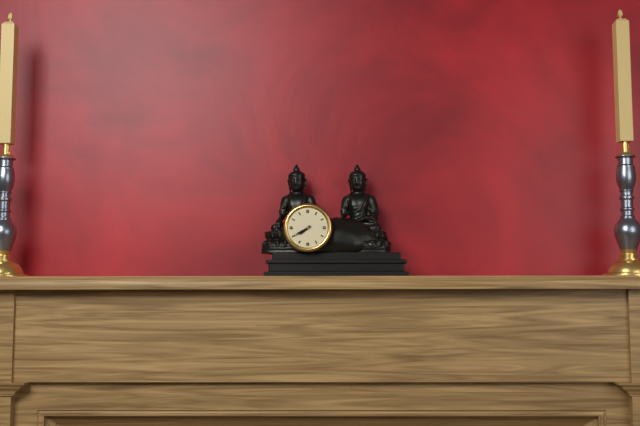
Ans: 7:40
